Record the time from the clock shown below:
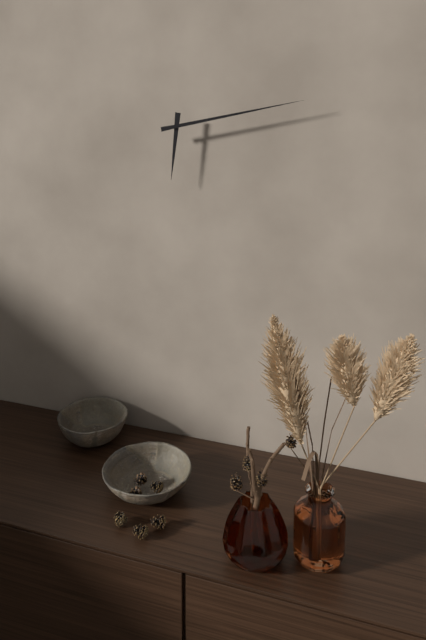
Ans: 6:13
